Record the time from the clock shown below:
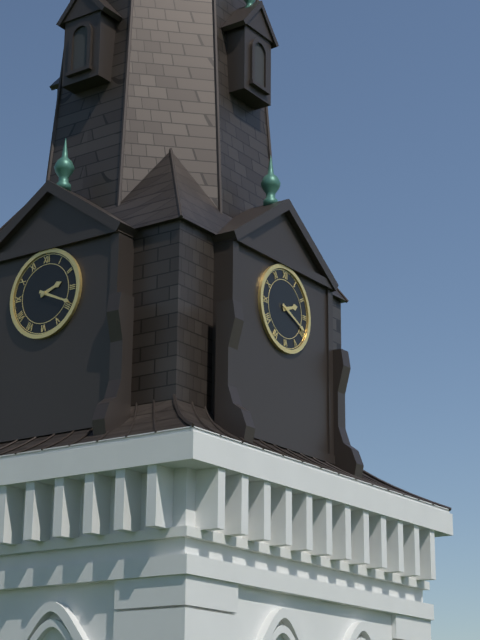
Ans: 2:19
